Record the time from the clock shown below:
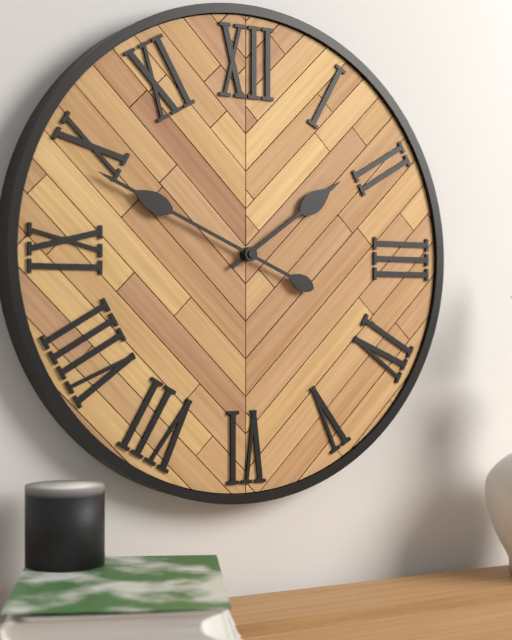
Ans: 1:49
